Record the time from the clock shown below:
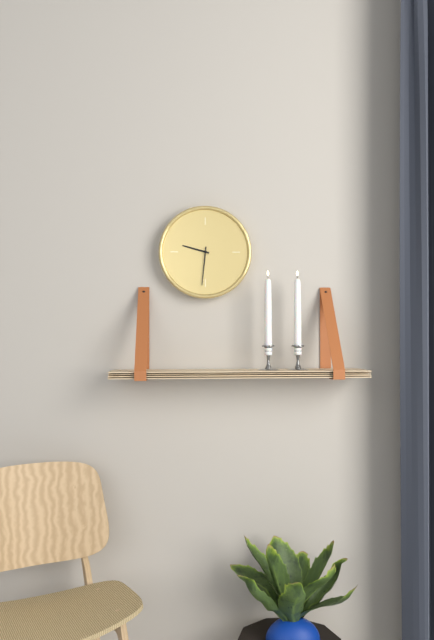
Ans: 9:31
